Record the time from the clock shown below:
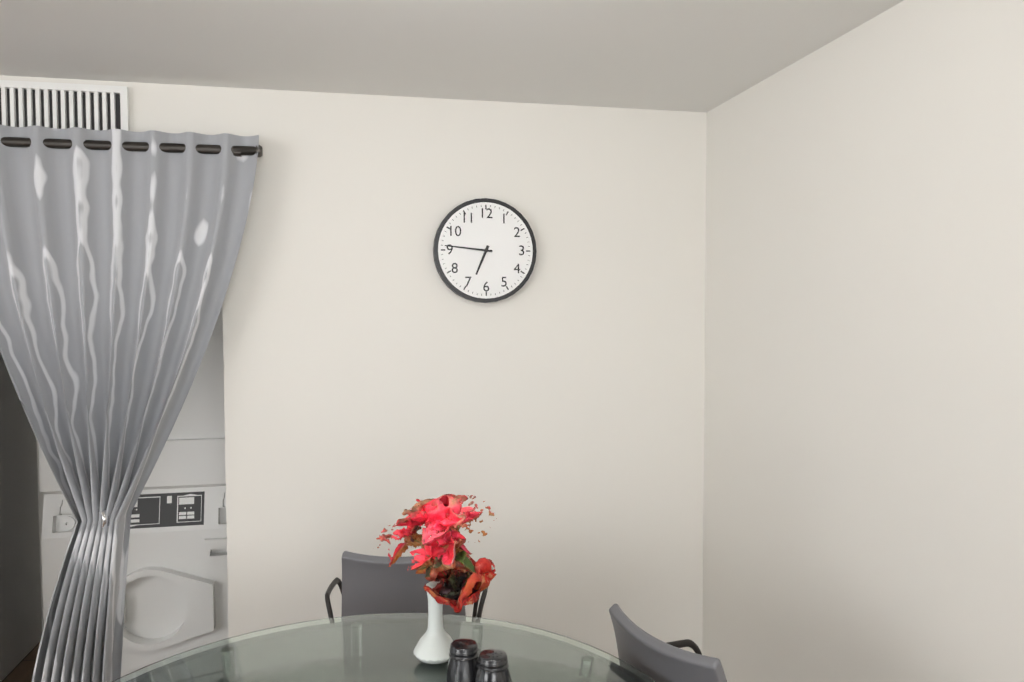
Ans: 6:46
